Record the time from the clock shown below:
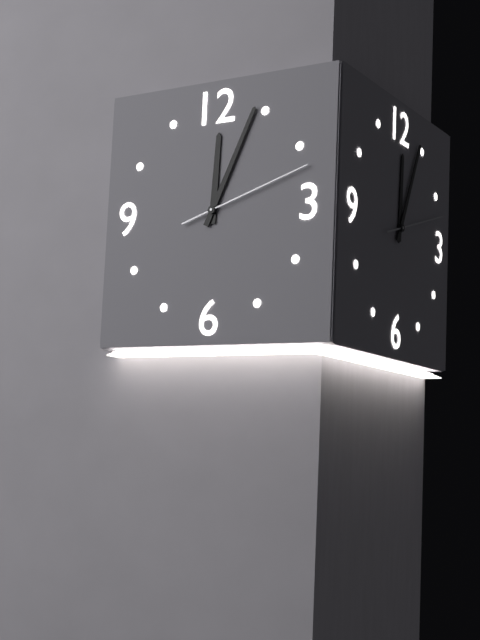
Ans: 12:04:12
